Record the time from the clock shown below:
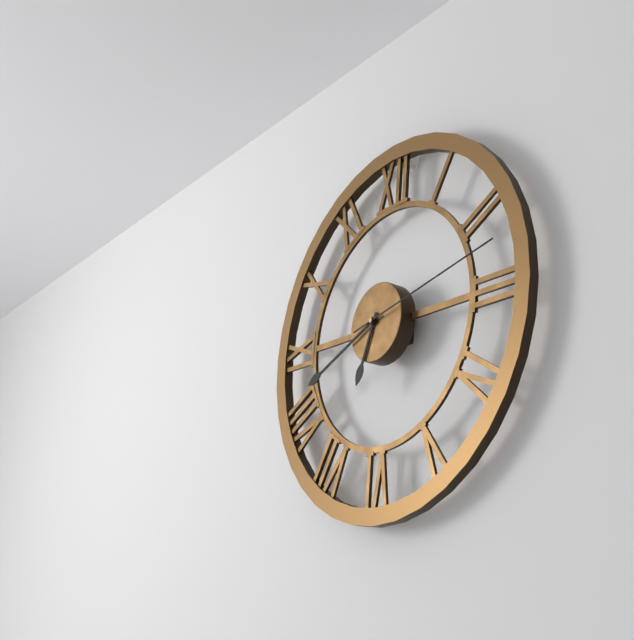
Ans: 6:41:13
